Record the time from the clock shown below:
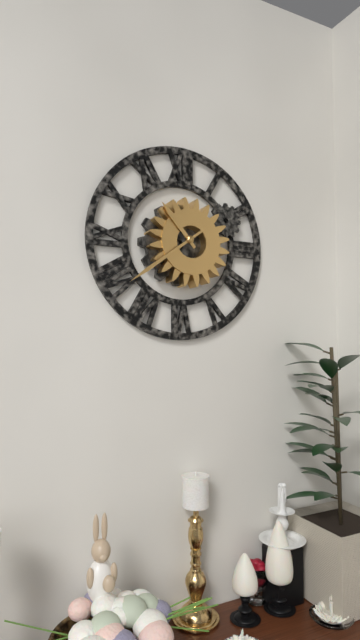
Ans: 10:39
